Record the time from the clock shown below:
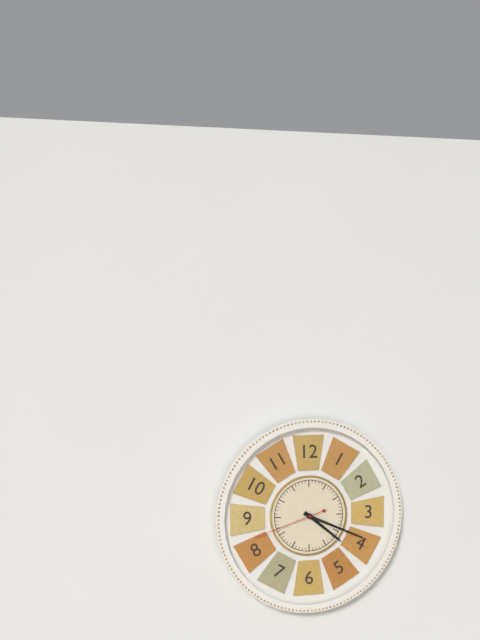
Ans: 4:19:42
